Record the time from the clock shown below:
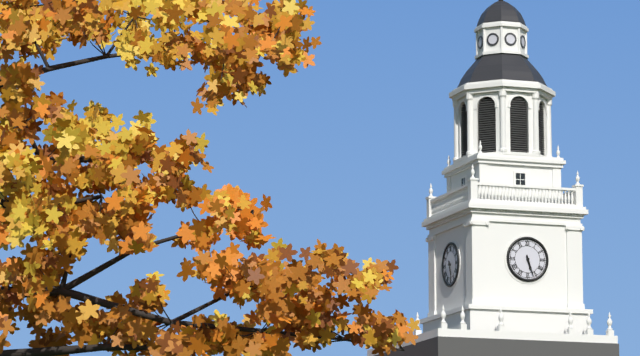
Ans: 5:27
